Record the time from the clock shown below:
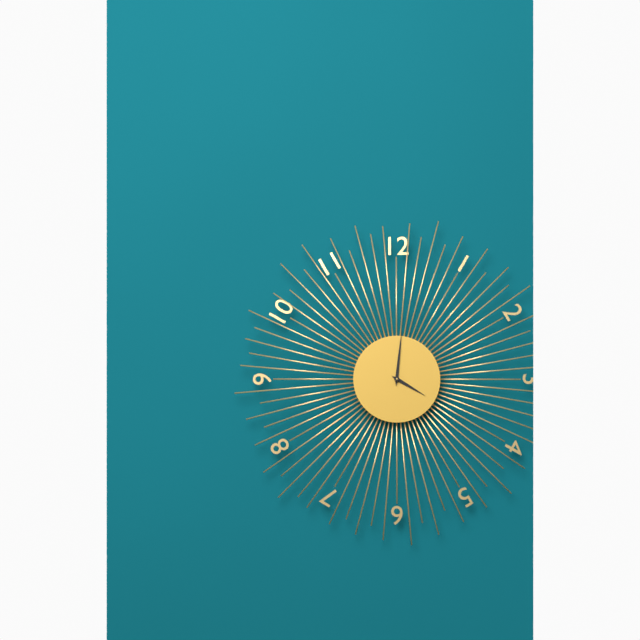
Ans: 4:01
